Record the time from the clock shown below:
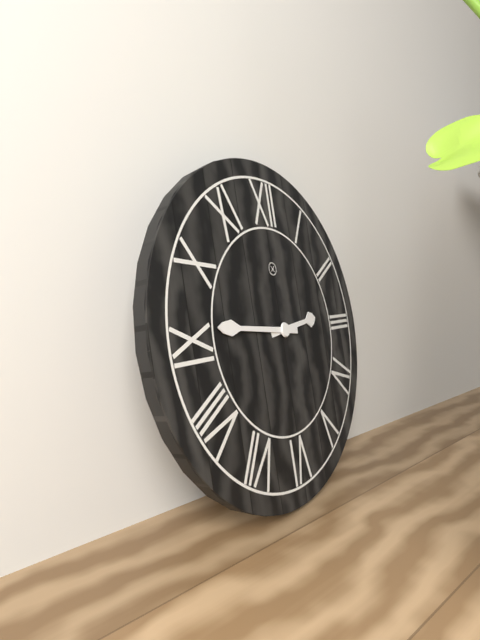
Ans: 2:46
